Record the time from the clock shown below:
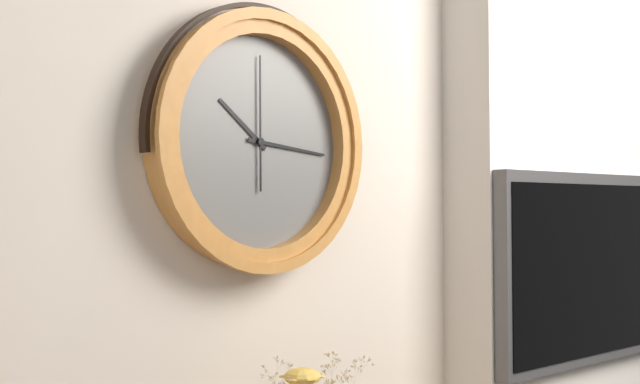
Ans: 10:16:00
